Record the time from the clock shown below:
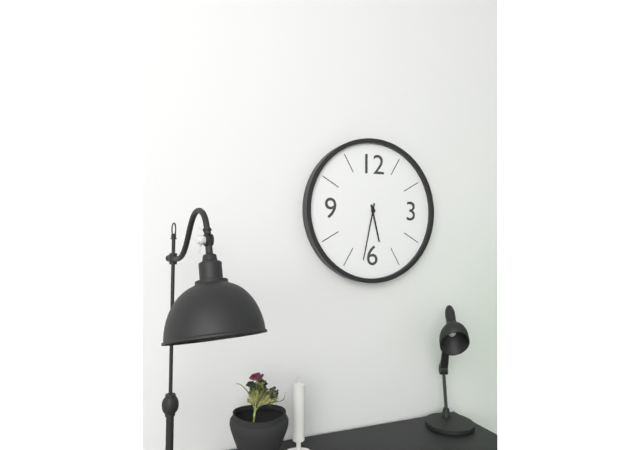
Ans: 5:32
